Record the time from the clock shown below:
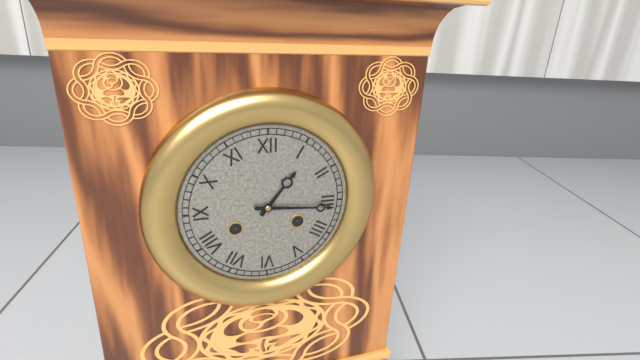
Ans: 1:16
